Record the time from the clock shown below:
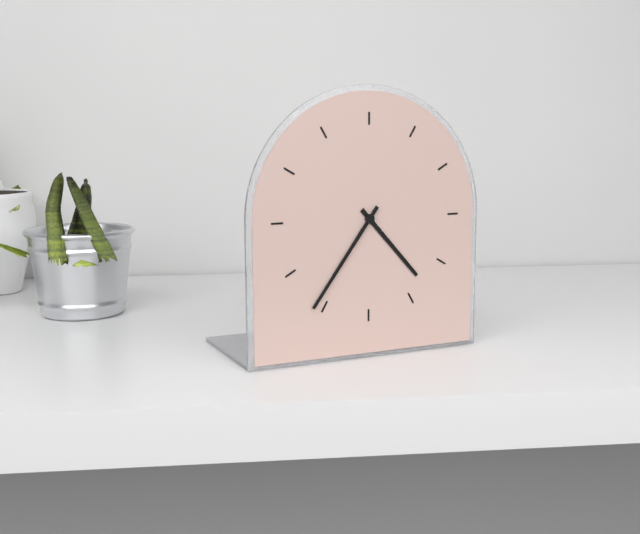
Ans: 4:36
